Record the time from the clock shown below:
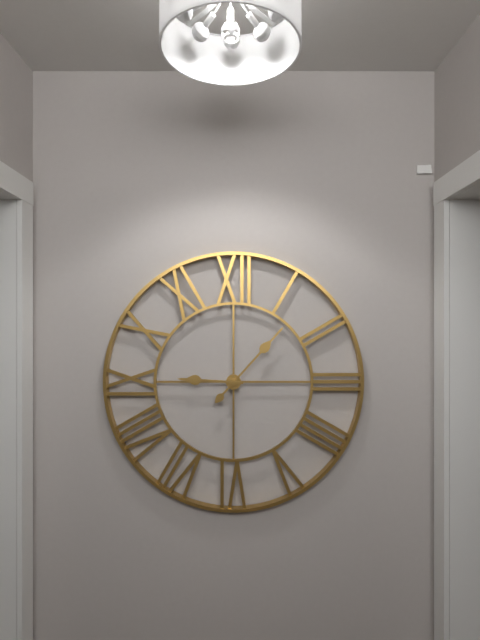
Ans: 9:07
